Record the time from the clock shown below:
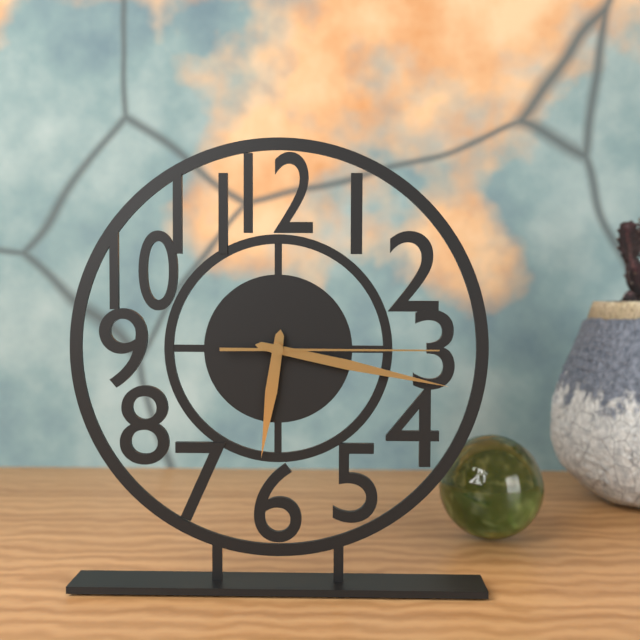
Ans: 6:17:15
